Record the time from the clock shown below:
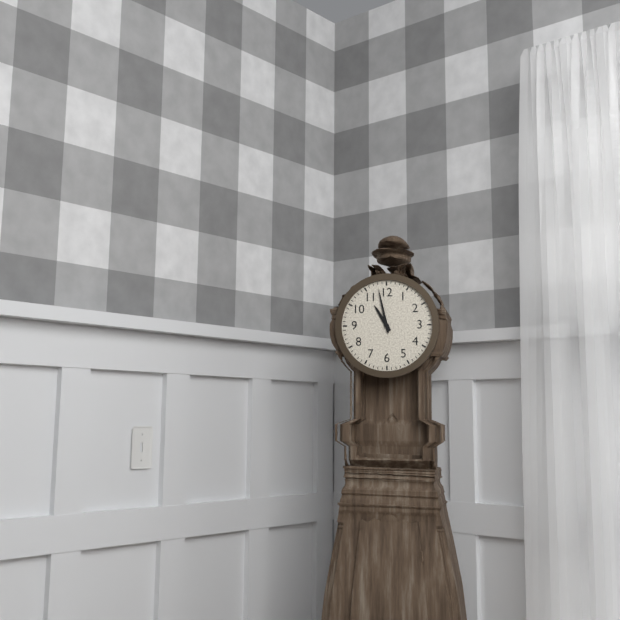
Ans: 10:58
